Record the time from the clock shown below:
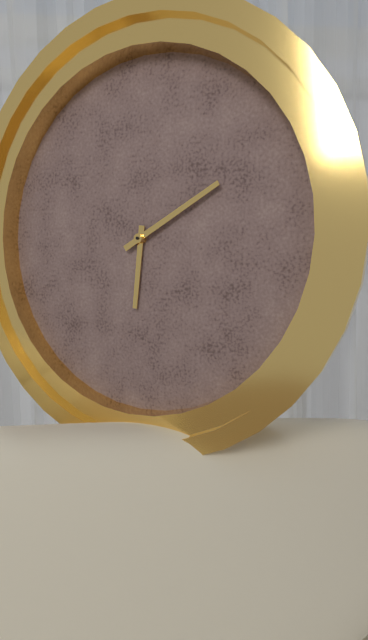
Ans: 6:10
